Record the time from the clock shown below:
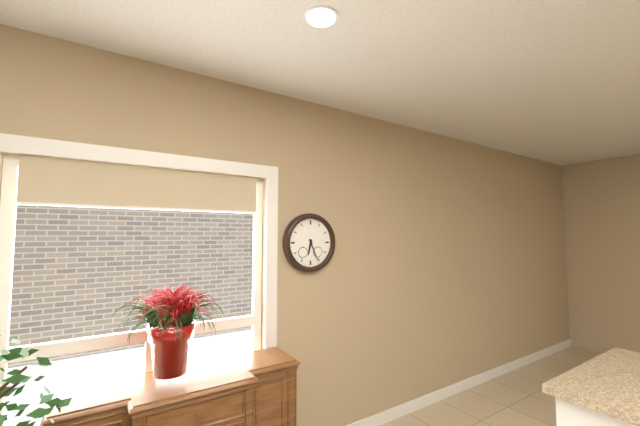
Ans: 6:26
